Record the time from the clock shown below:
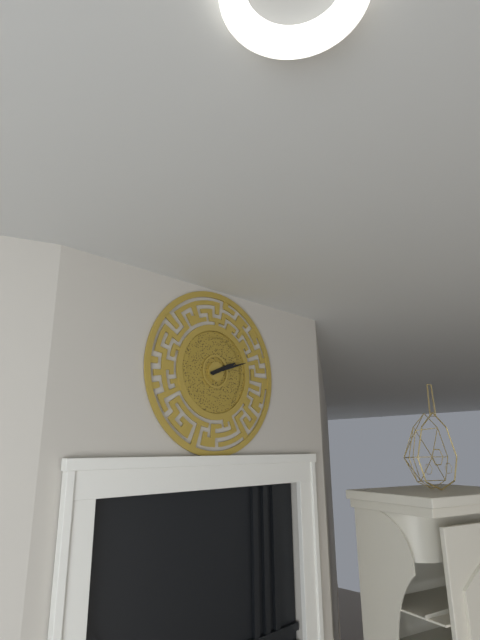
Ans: 2:12
